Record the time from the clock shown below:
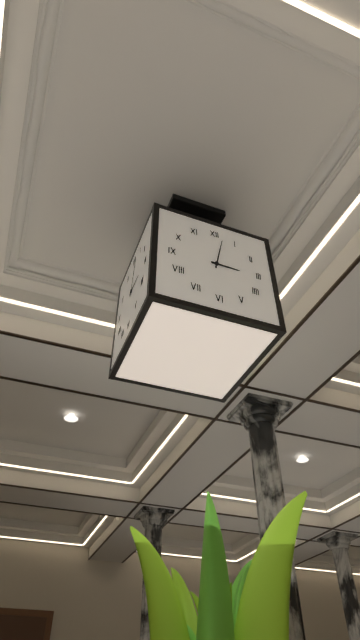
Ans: 3:02
